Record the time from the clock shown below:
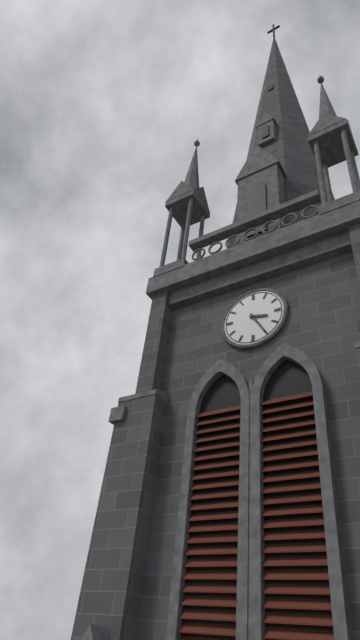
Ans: 3:25
